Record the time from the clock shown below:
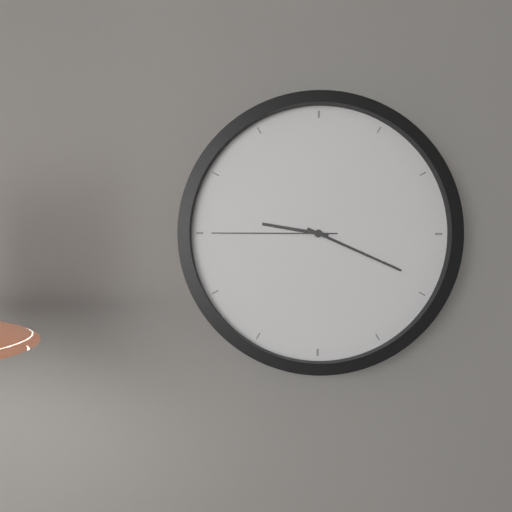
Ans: 9:19:45
